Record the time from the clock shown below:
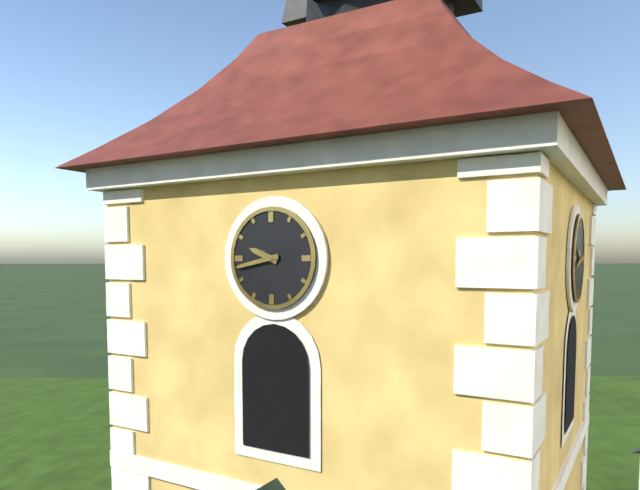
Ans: 9:43
